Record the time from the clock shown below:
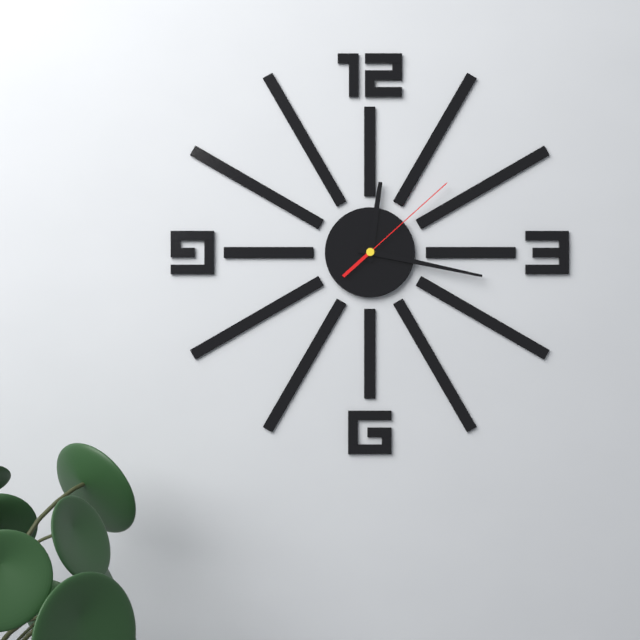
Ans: 12:17:08
